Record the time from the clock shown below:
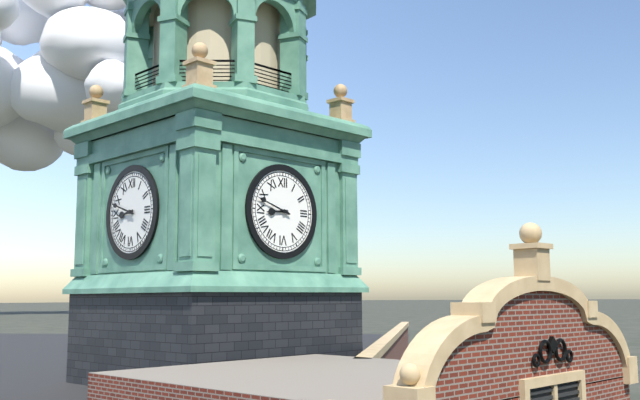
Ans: 8:48
